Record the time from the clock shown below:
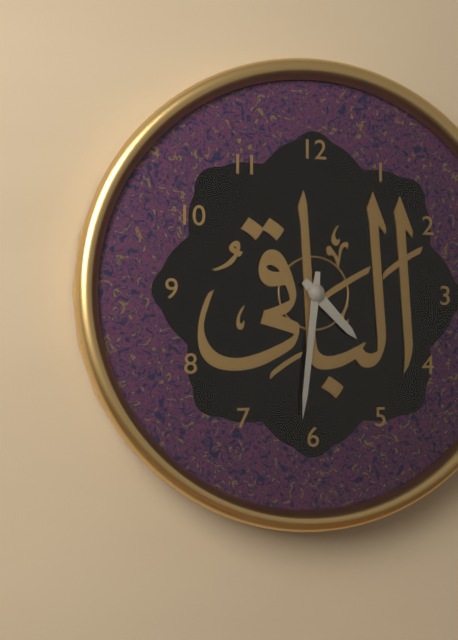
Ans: 4:31
